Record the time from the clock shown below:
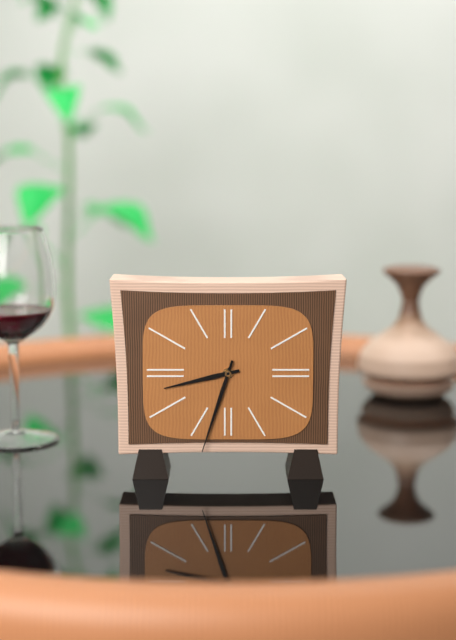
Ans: 8:33
